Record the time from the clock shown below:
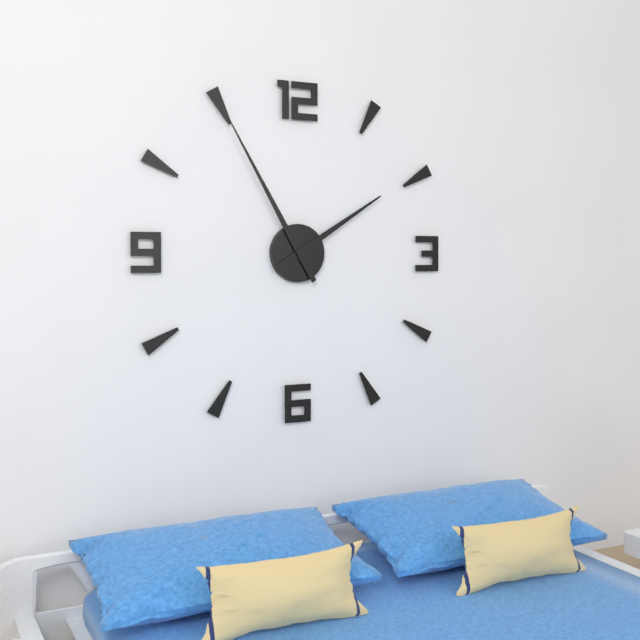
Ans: 1:55
